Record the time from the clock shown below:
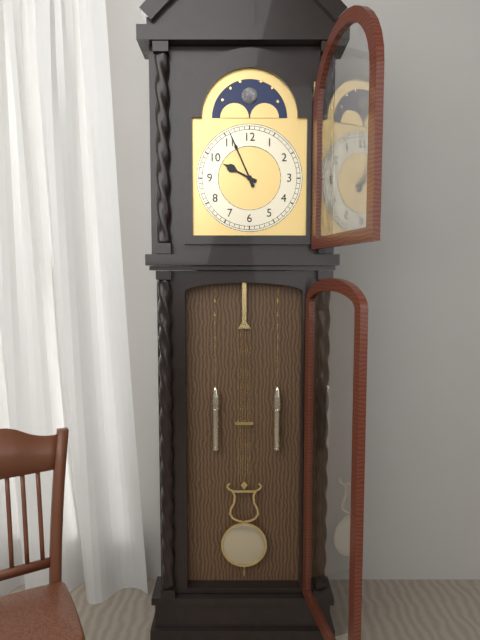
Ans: 9:56
